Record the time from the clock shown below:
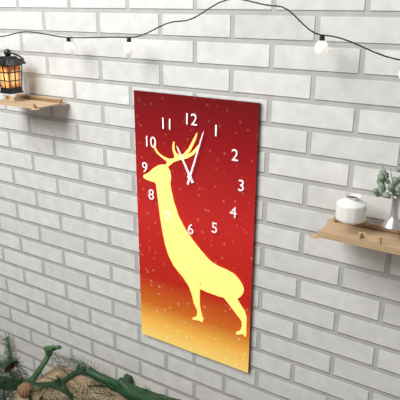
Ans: 11:03
